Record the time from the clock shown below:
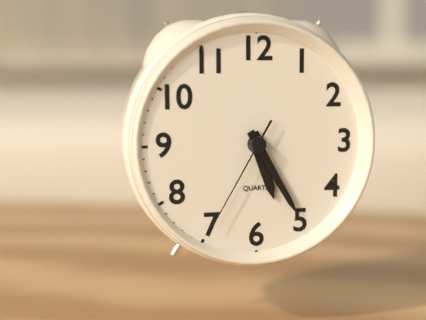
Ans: 5:25:35
